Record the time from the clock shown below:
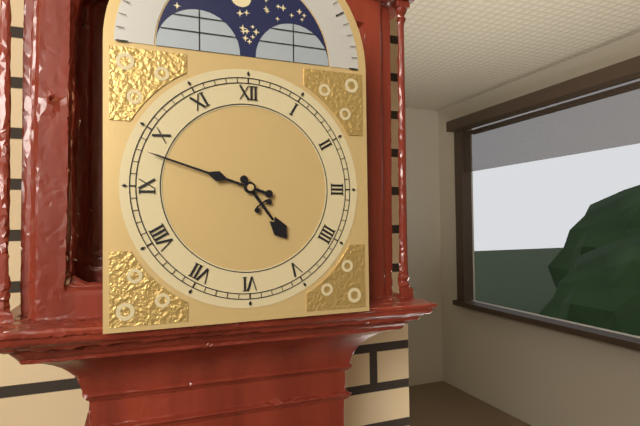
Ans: 4:48
